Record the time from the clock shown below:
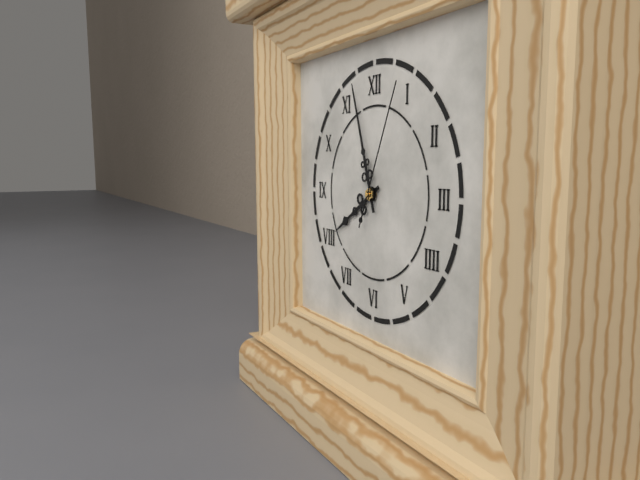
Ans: 7:57:04
